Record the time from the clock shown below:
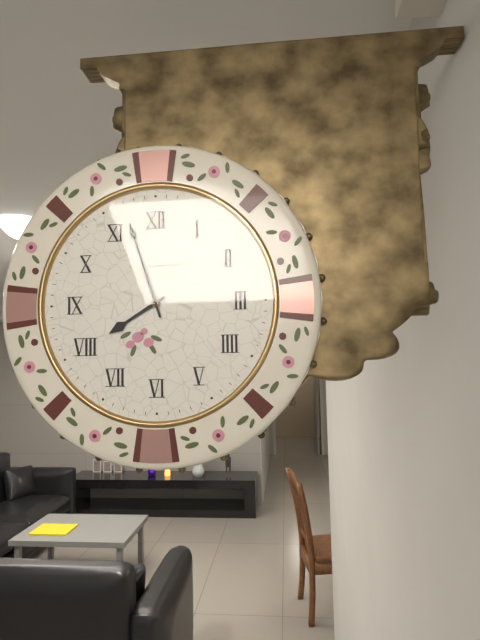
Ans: 7:57
